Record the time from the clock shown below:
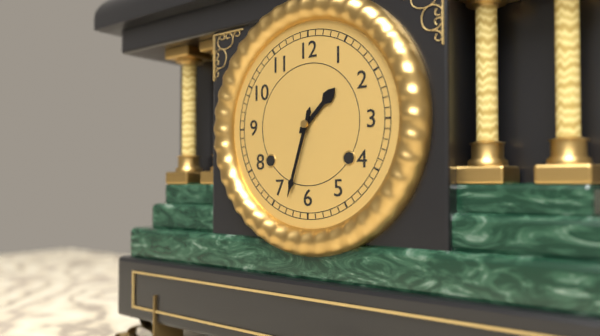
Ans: 1:33
